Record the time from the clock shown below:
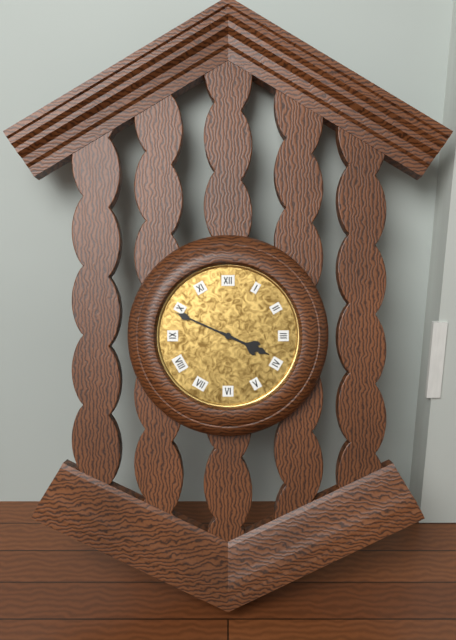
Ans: 3:49
